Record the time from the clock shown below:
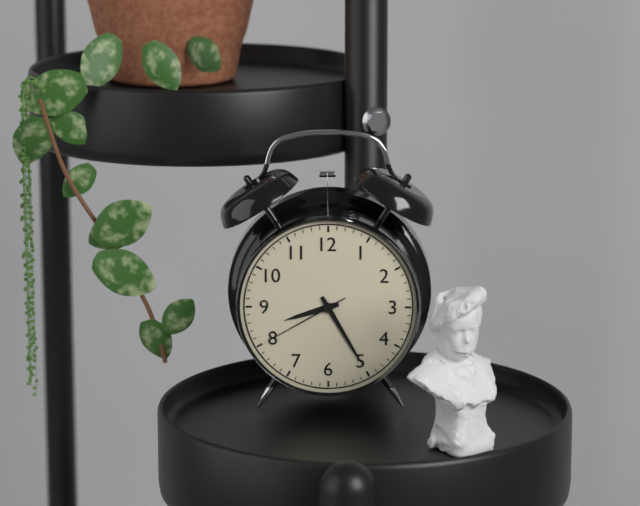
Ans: 8:25:40
